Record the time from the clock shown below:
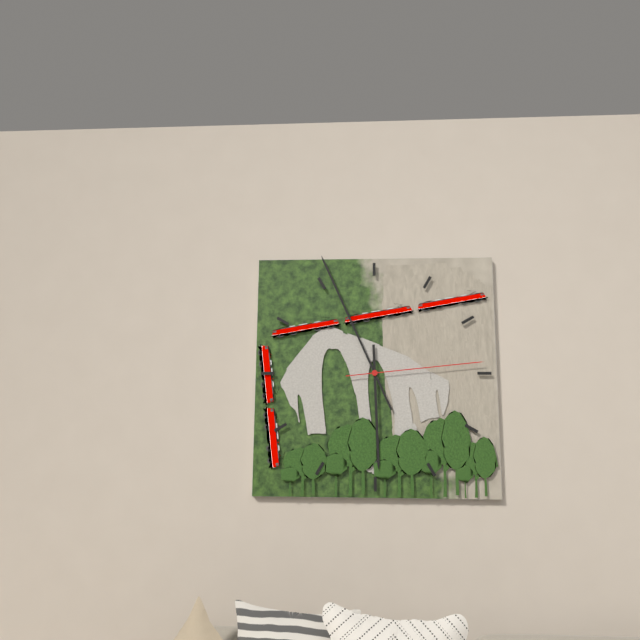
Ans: 5:56:14
